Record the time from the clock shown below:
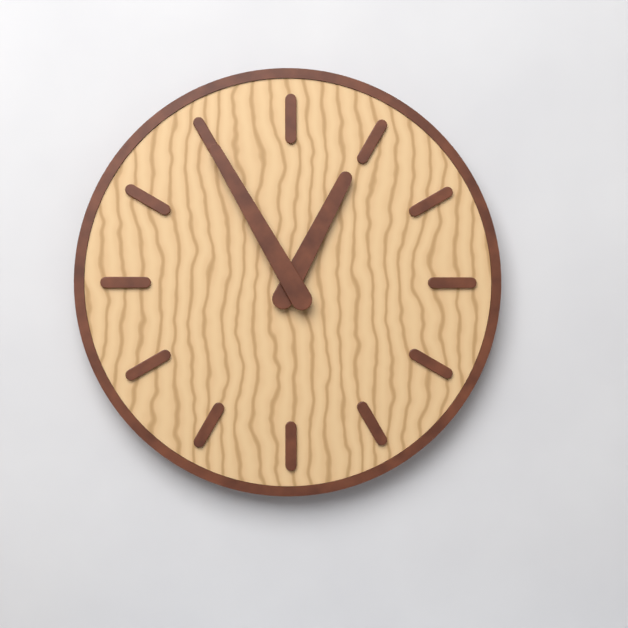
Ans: 12:55
